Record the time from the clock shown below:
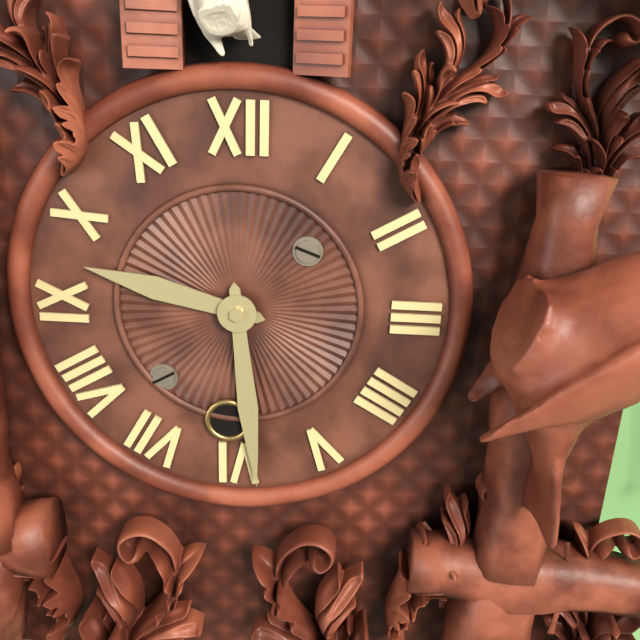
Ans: 9:29
